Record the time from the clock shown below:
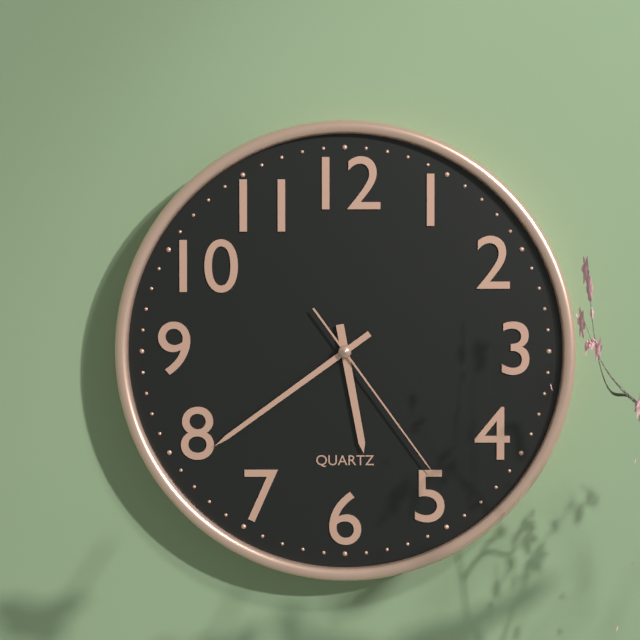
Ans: 5:39:24
